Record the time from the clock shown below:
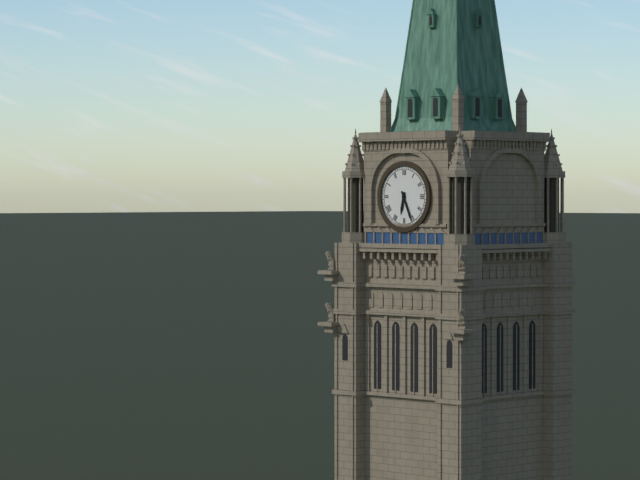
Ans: 6:26
